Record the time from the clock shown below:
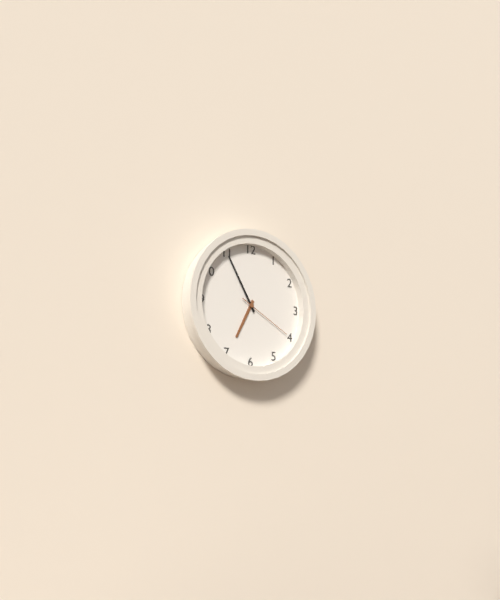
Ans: 6:55:20
